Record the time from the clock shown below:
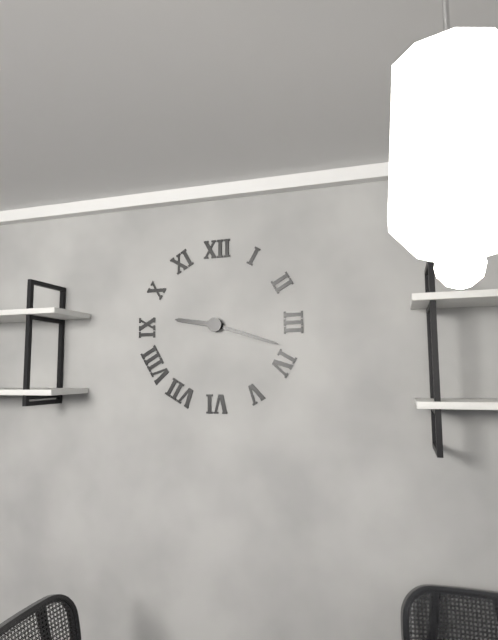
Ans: 9:18
